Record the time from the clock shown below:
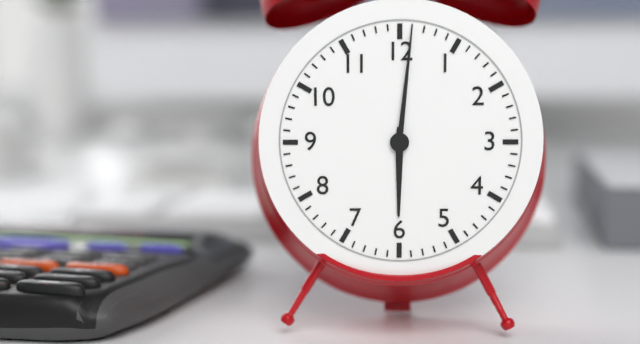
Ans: 6:01
